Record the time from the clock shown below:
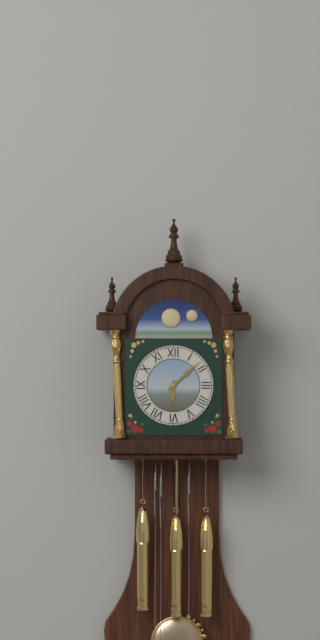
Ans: 6:08
